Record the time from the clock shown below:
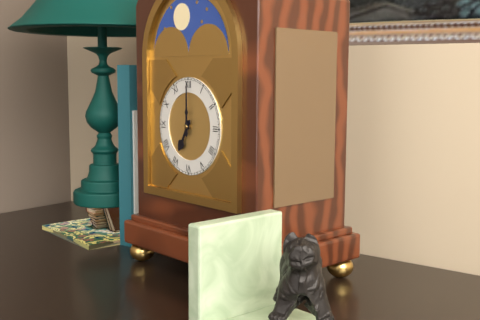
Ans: 7:00
